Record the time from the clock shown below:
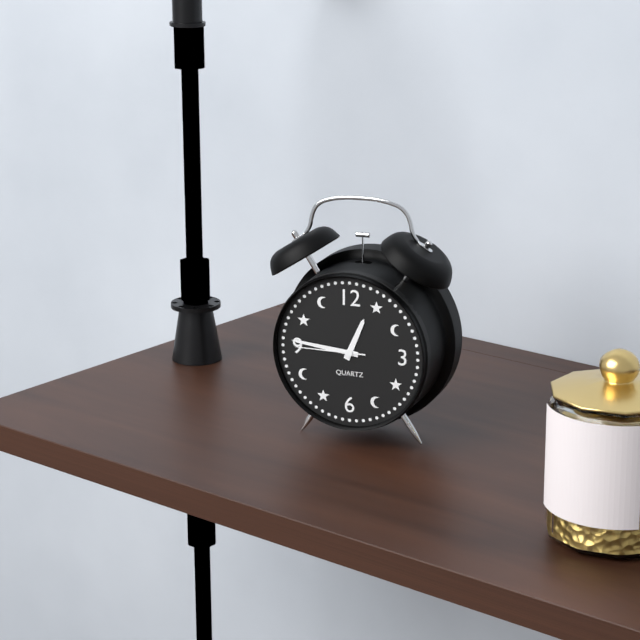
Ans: 12:46:45
